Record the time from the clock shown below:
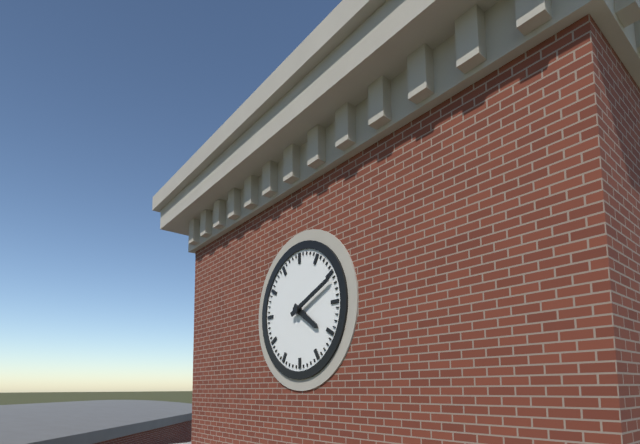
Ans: 4:11
